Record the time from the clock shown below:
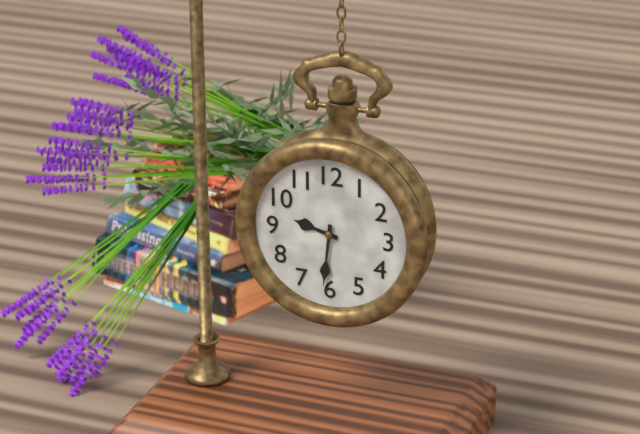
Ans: 9:31
